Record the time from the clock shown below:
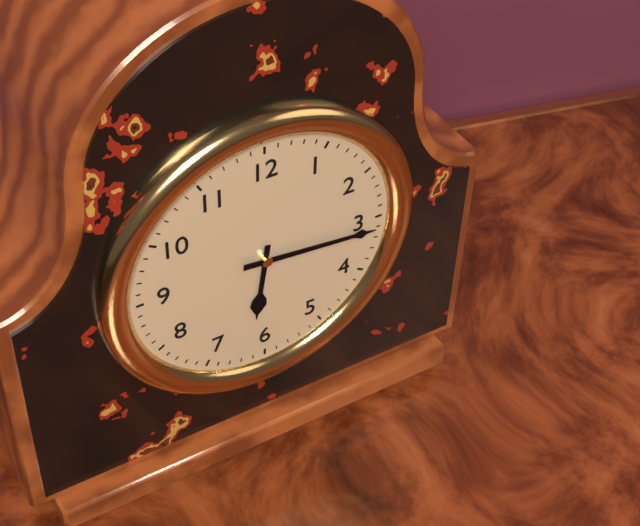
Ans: 6:16
